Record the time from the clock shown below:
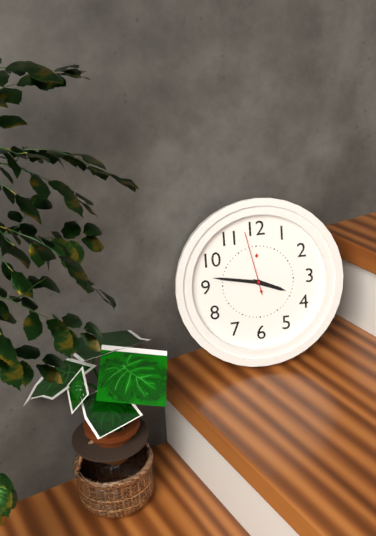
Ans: 3:47:58
